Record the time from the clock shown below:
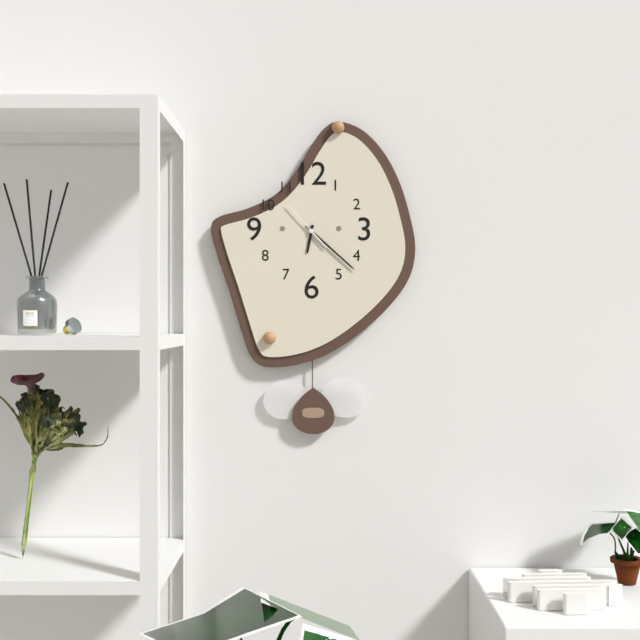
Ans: 6:22
